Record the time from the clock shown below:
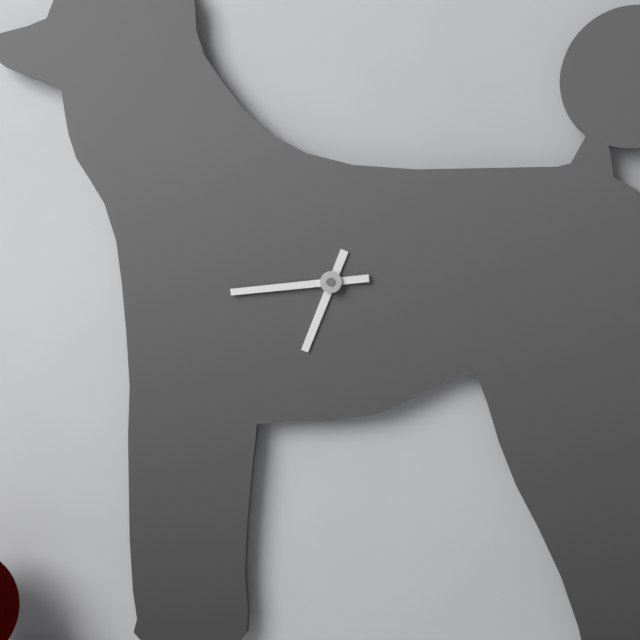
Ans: 6:44
